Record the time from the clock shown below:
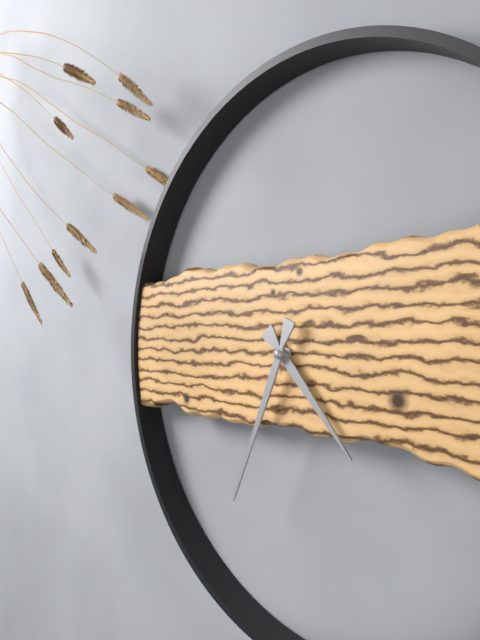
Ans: 4:34
